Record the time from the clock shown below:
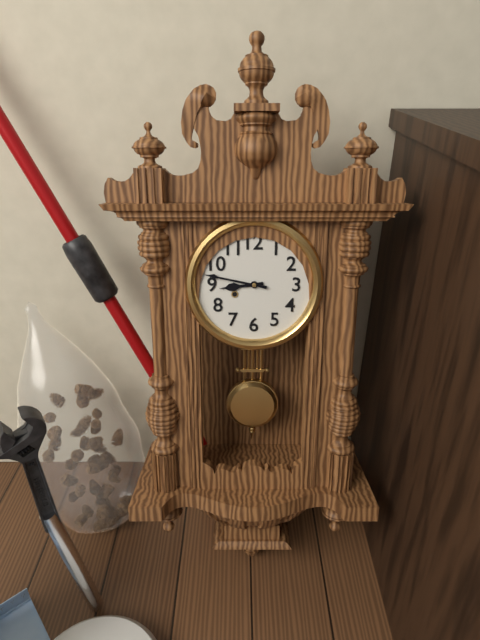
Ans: 8:47
